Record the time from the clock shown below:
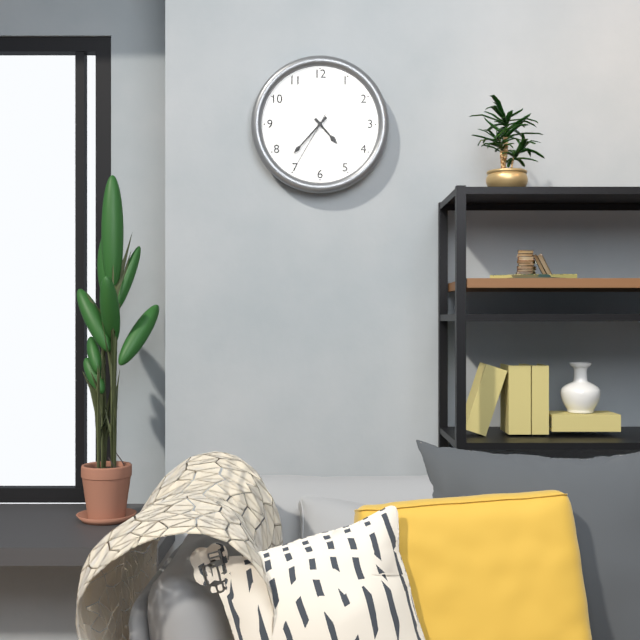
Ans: 4:37:35
